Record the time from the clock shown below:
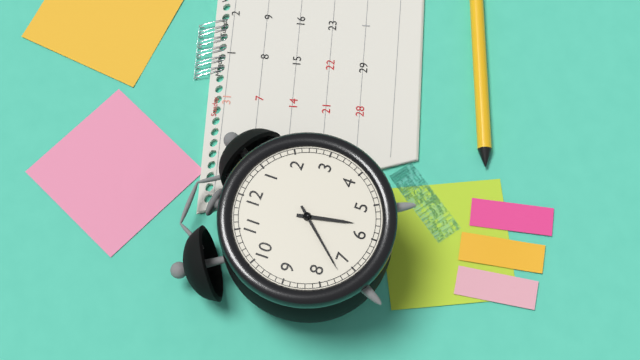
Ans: 5:37
